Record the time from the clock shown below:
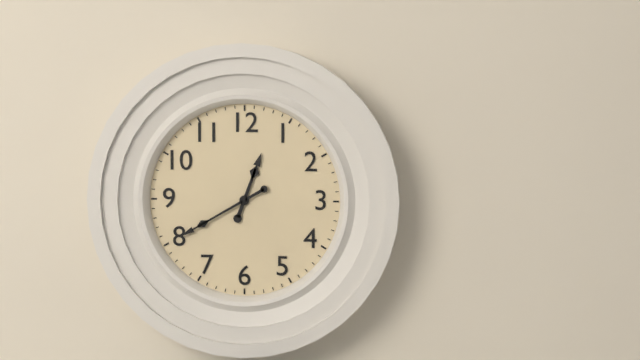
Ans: 12:40
